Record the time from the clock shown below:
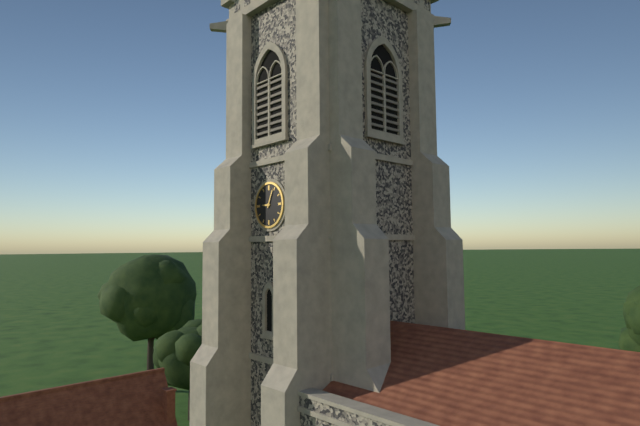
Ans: 9:04
